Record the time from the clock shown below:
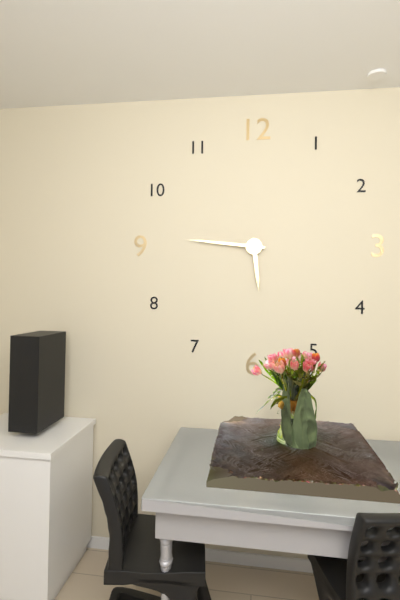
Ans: 5:46
